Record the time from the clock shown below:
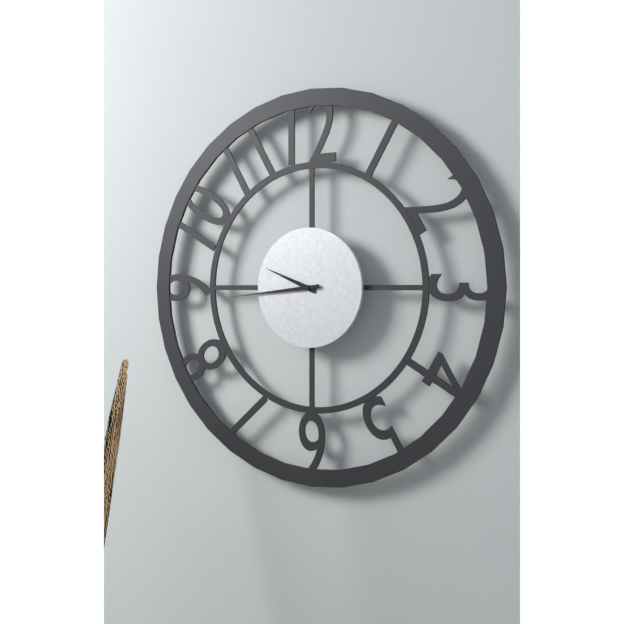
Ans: 9:44
